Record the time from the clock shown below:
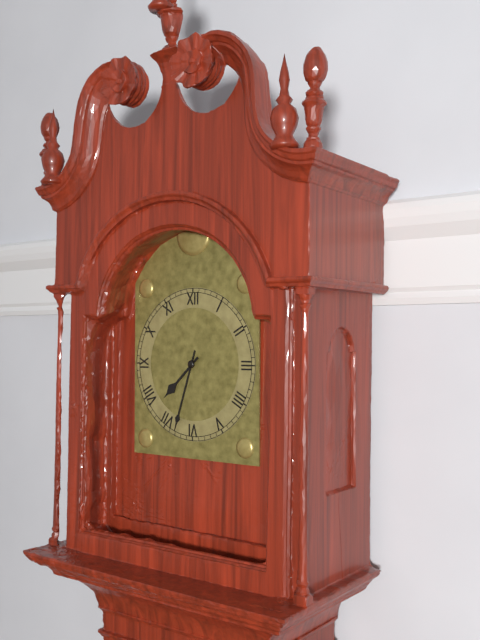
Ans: 7:33
